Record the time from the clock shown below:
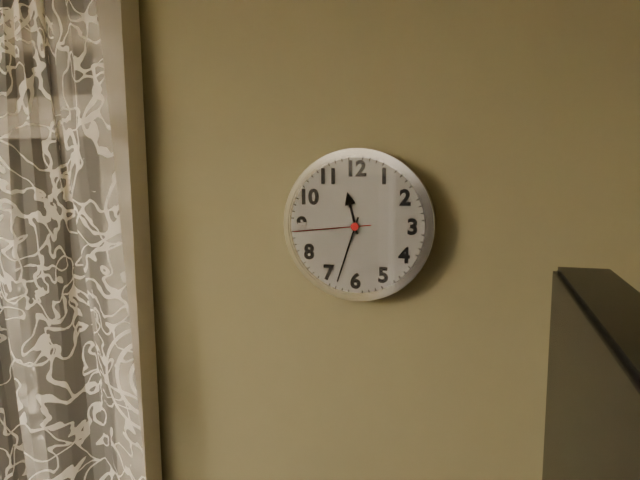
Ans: 11:33:44
